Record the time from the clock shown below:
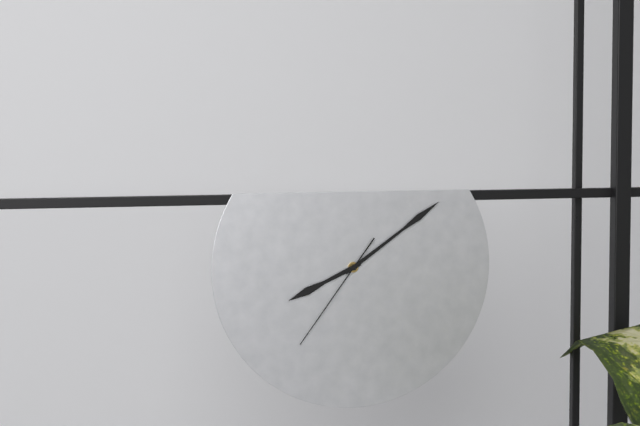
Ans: 8:09:36
